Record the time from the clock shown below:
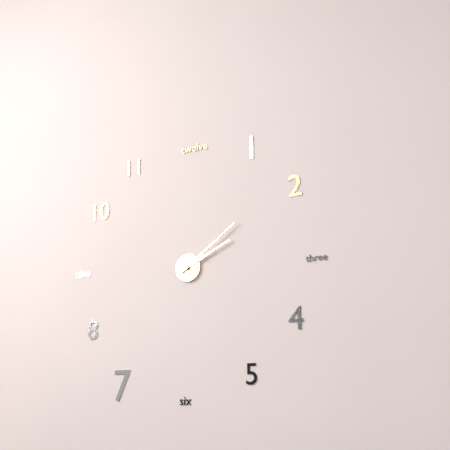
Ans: 2:09
